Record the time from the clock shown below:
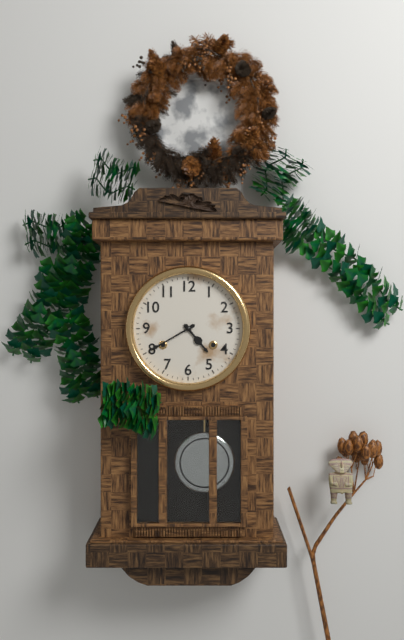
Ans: 4:40
